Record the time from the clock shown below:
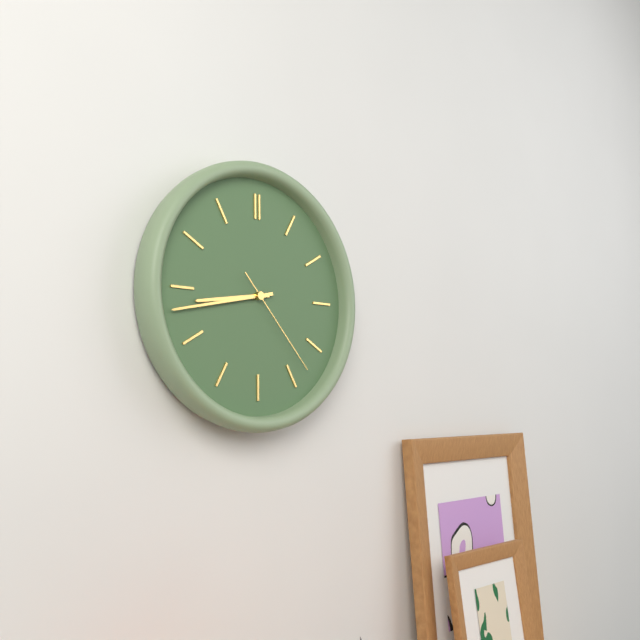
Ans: 8:43:23
